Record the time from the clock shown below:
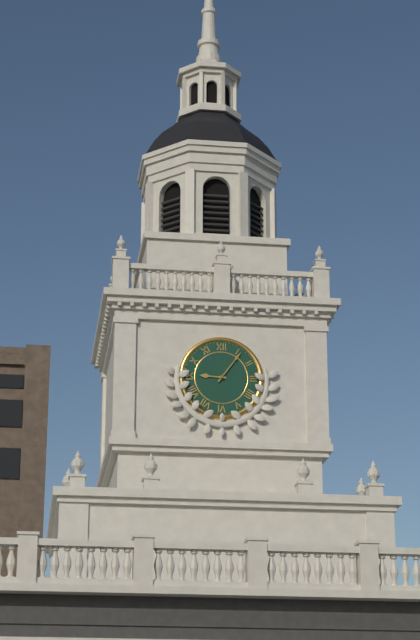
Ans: 9:06
